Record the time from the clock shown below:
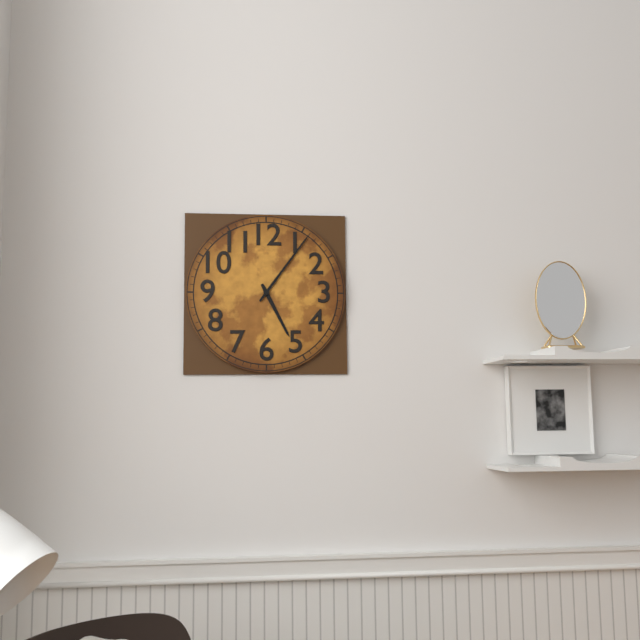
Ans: 5:06
